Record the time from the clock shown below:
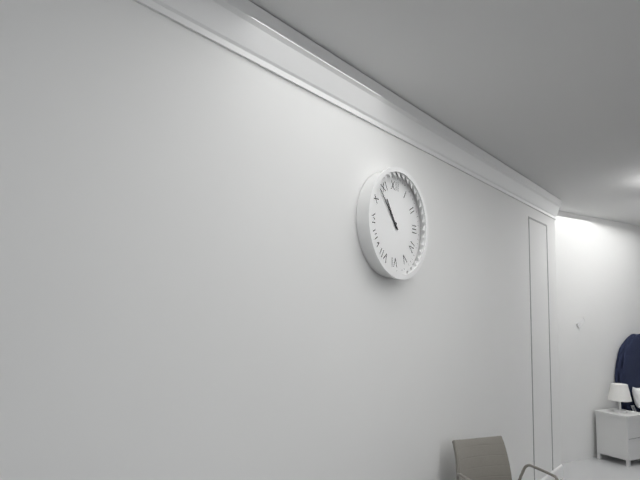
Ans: 10:53
